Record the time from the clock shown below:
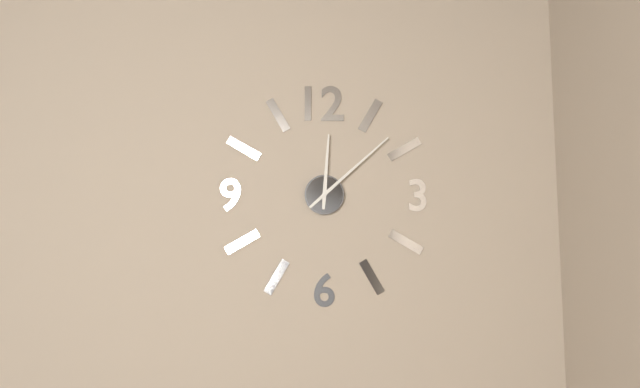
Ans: 12:08
